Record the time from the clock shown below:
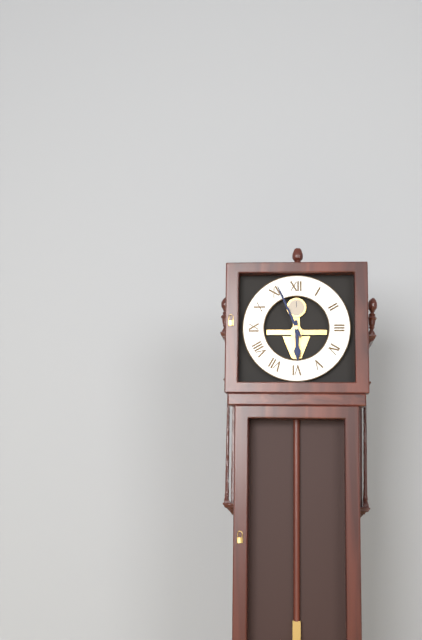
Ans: 5:56
